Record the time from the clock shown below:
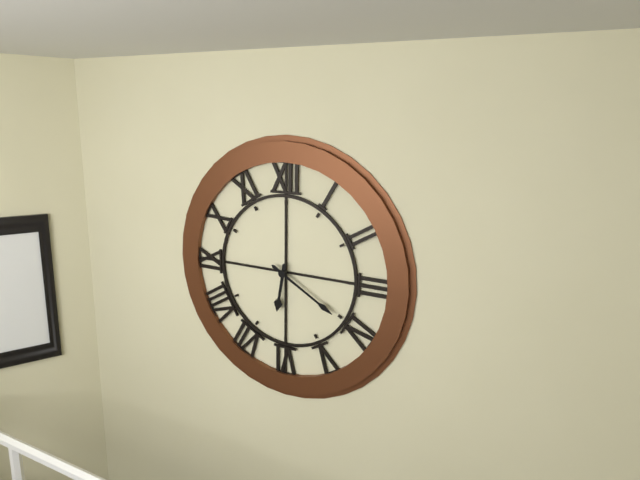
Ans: 6:20
